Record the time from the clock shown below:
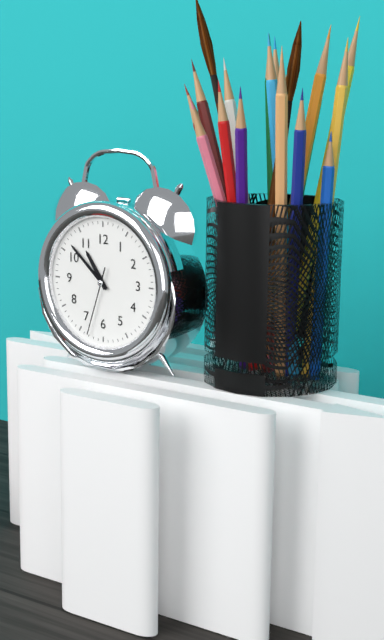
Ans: 10:52:33
